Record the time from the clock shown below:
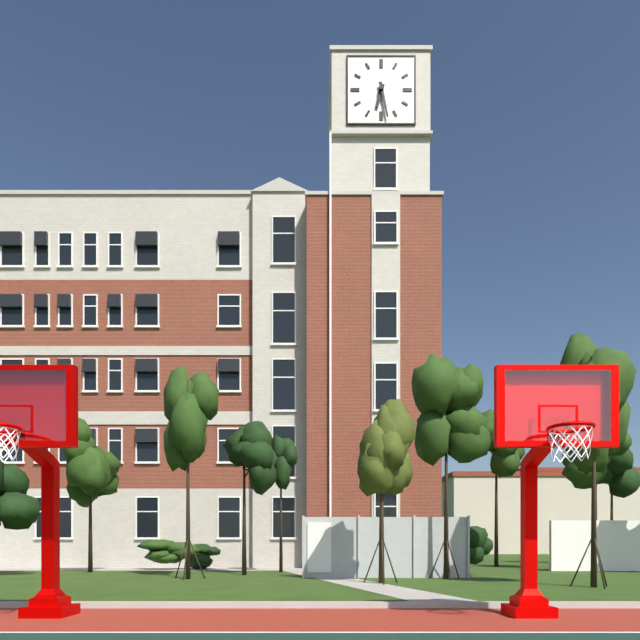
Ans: 6:28
